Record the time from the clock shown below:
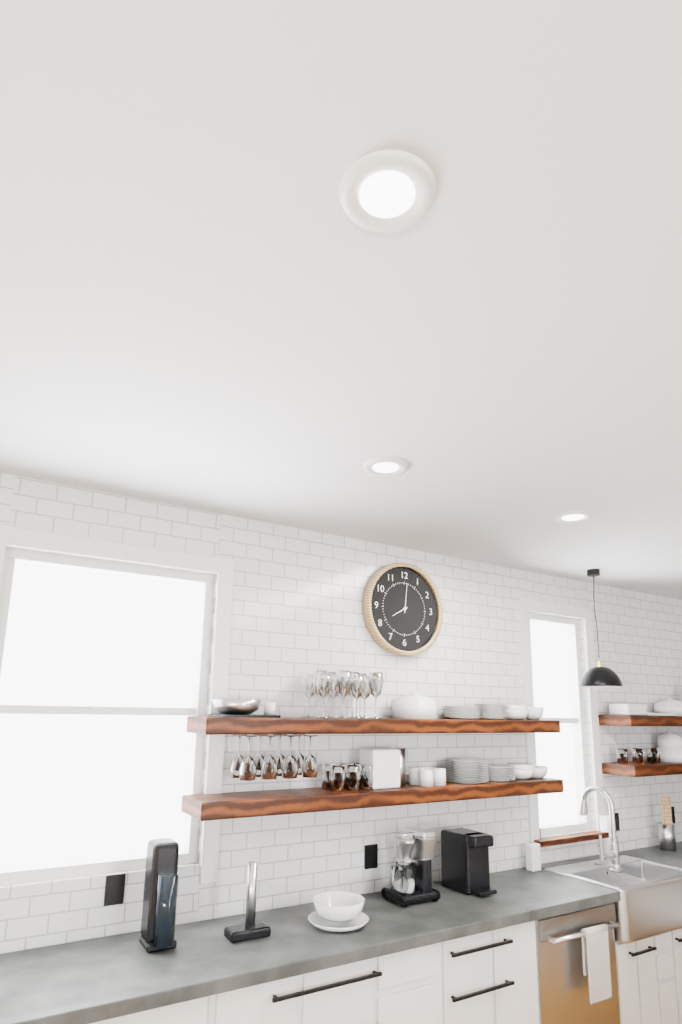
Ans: 8:01
